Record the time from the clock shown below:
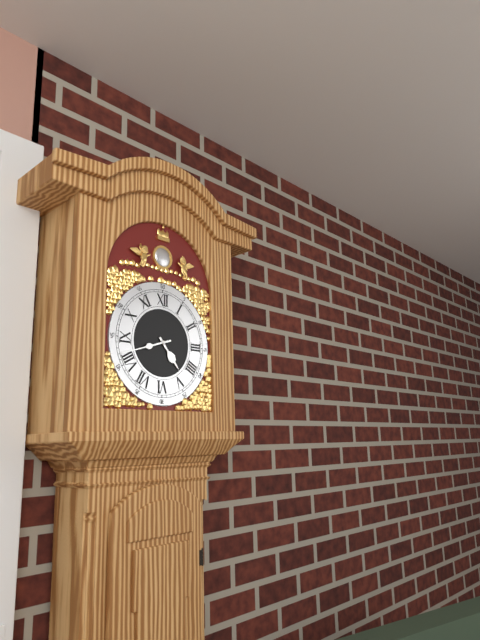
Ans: 4:42
